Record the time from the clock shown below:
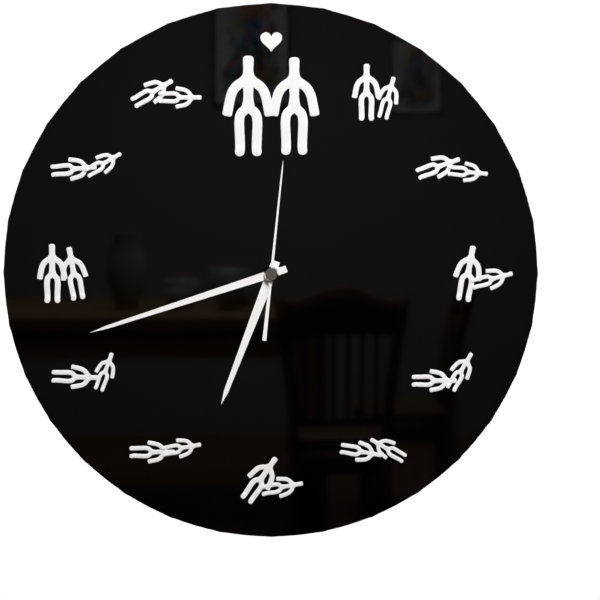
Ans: 6:42:01
